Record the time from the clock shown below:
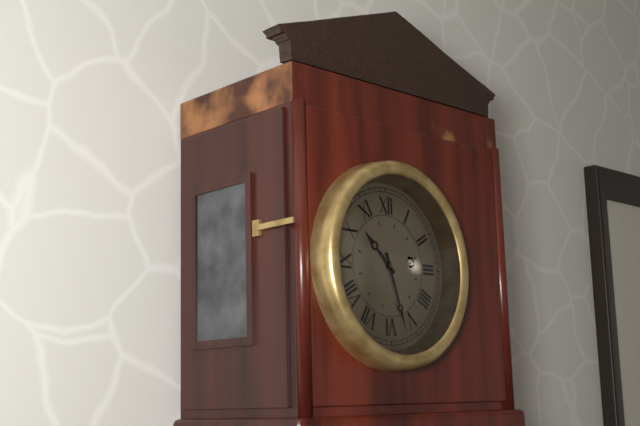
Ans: 10:27
